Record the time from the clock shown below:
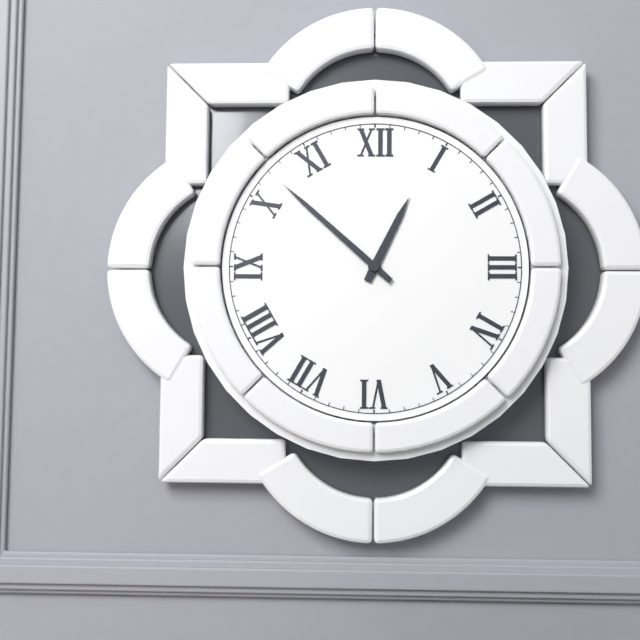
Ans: 12:52
